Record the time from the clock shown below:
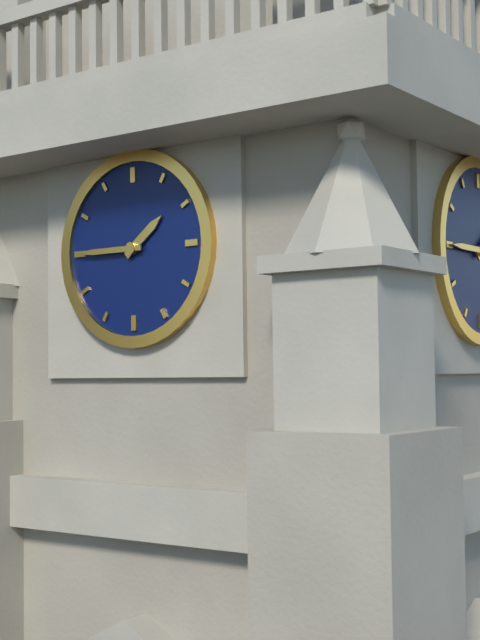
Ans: 1:45
